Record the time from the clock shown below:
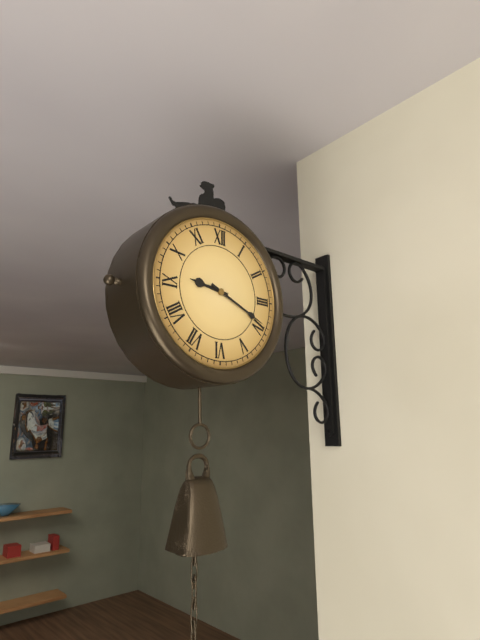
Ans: 9:19
